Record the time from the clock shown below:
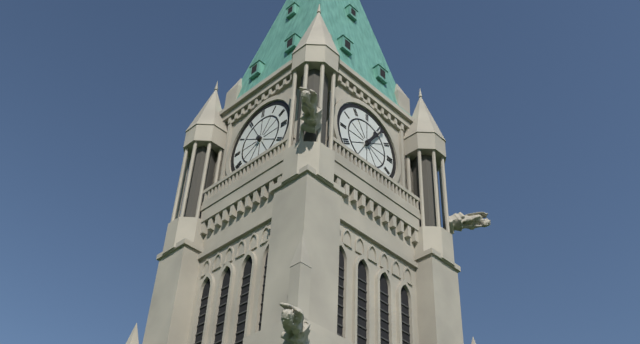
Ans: 1:06
